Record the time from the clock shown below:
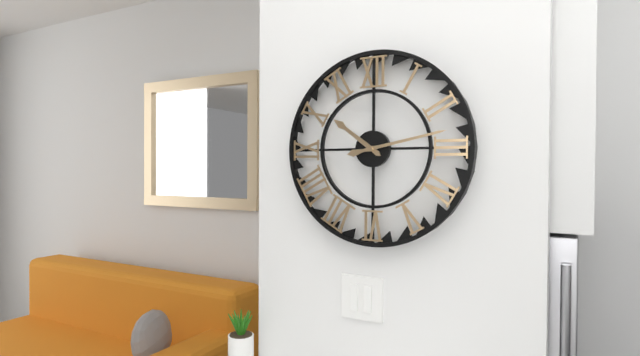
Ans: 10:13
